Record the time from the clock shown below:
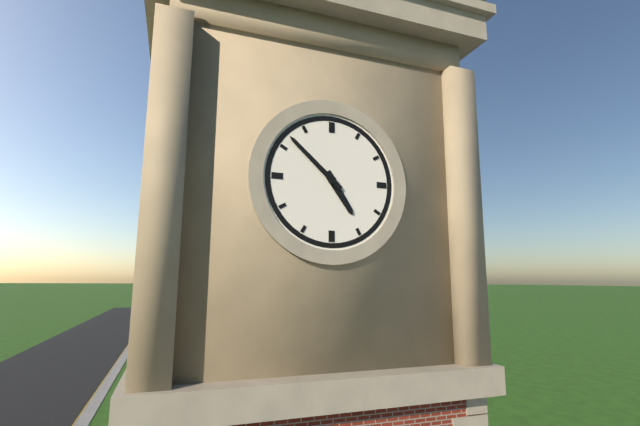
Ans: 4:52
